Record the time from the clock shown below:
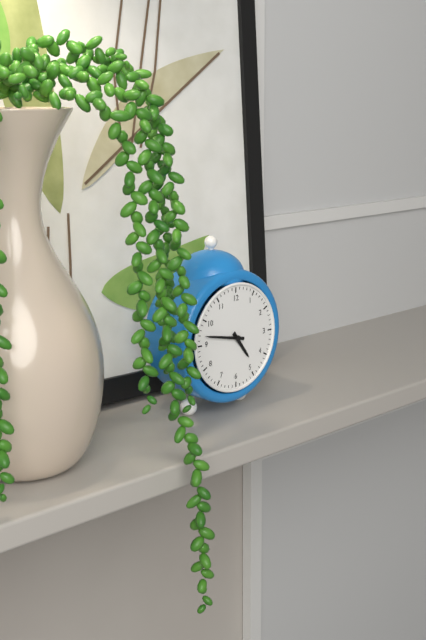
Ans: 4:47
